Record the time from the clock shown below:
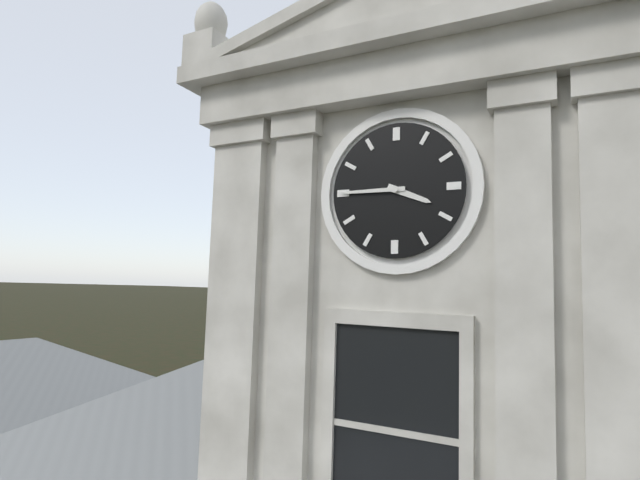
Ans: 3:45
